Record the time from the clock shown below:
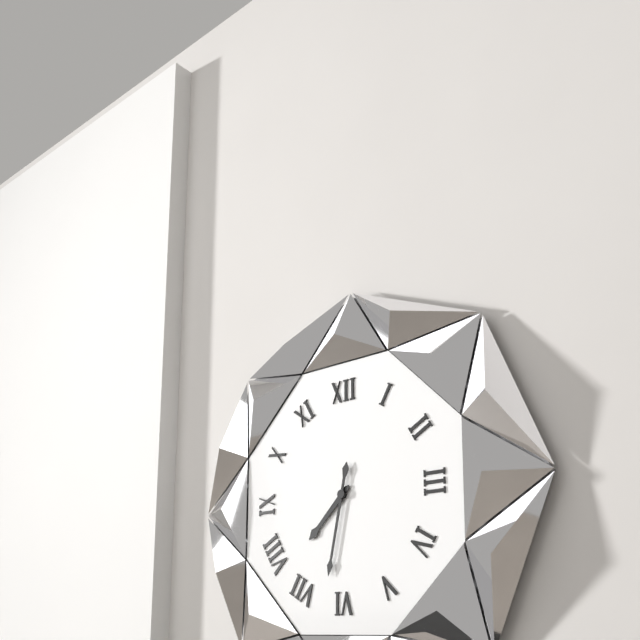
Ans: 7:32
